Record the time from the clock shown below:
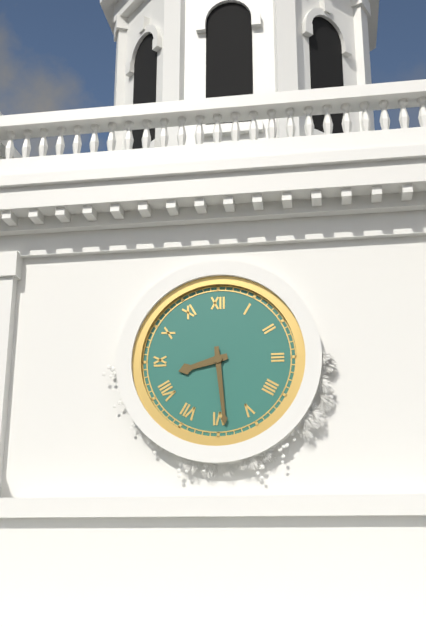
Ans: 8:29
